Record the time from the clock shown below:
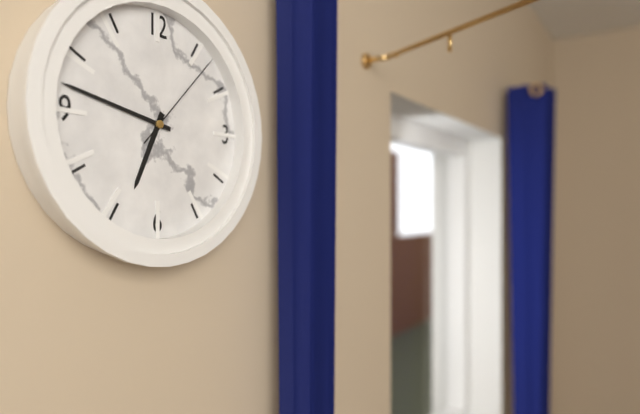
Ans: 6:47:07
